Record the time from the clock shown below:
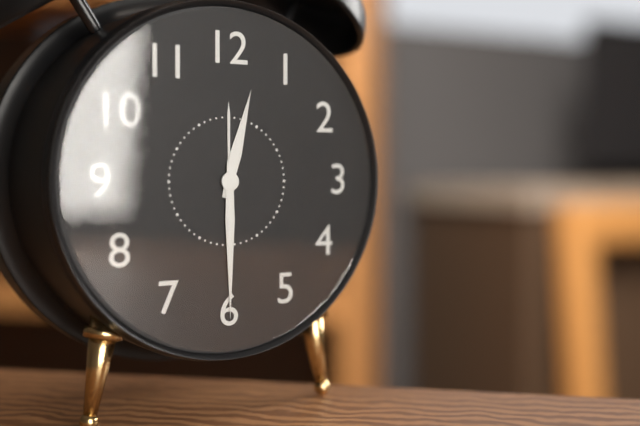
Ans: 12:30
